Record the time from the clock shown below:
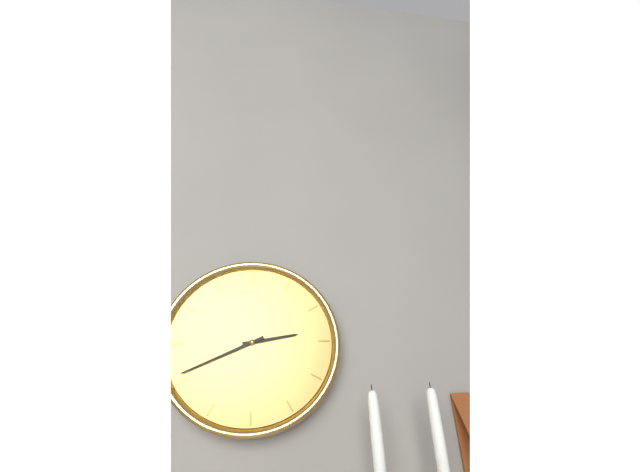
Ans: 2:41
